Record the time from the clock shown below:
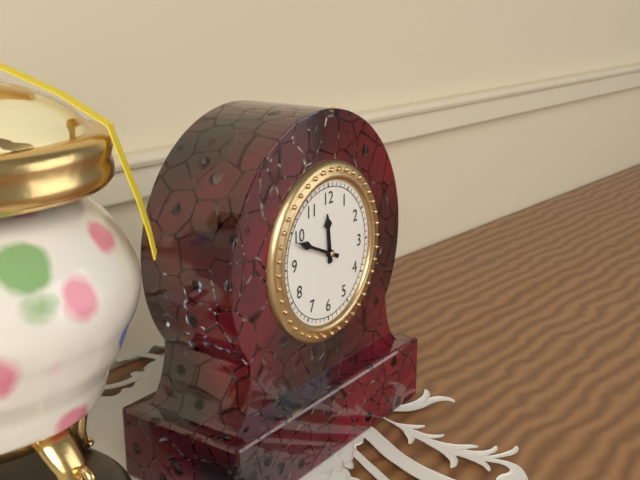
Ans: 11:49
